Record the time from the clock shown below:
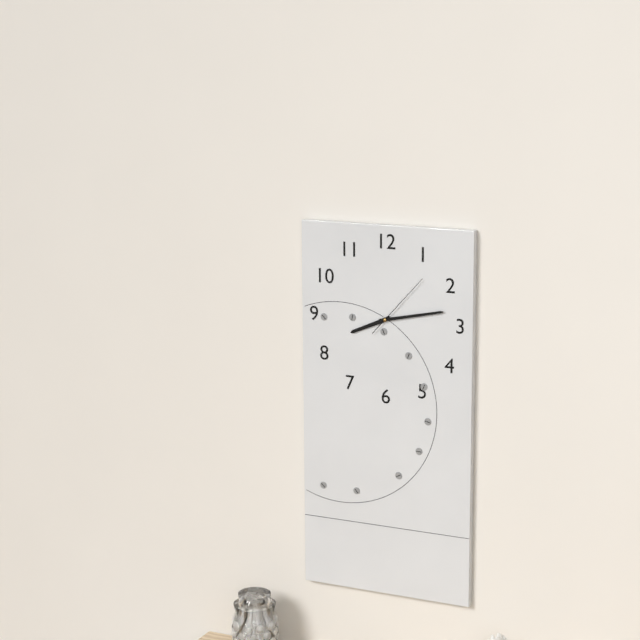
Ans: 8:13:07
